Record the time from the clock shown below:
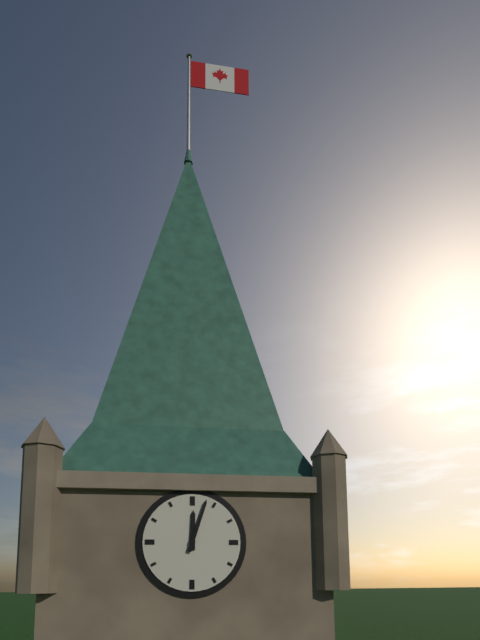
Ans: 12:03
